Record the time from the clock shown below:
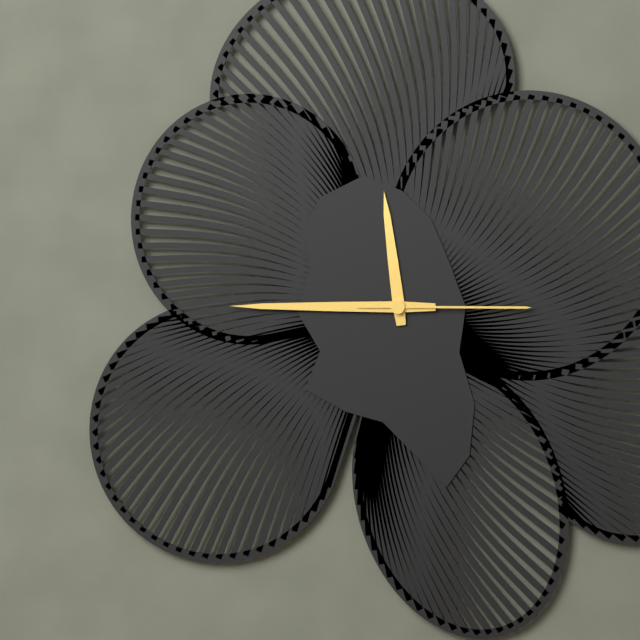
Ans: 11:45:15
